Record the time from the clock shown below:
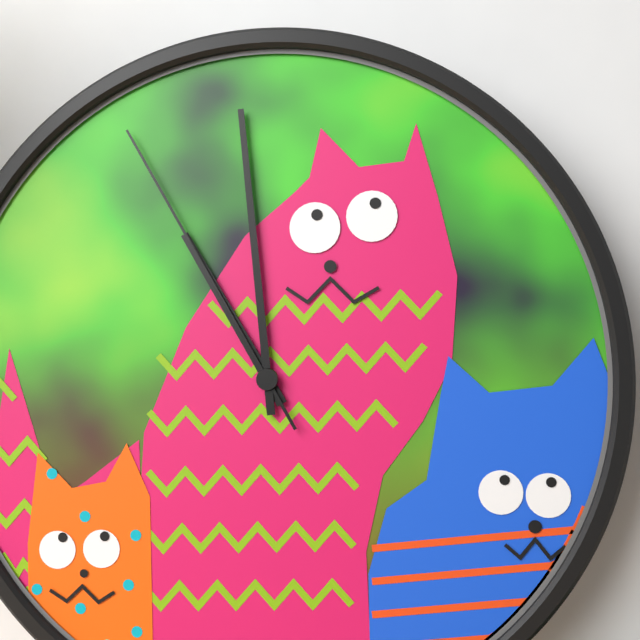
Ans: 10:59:55
